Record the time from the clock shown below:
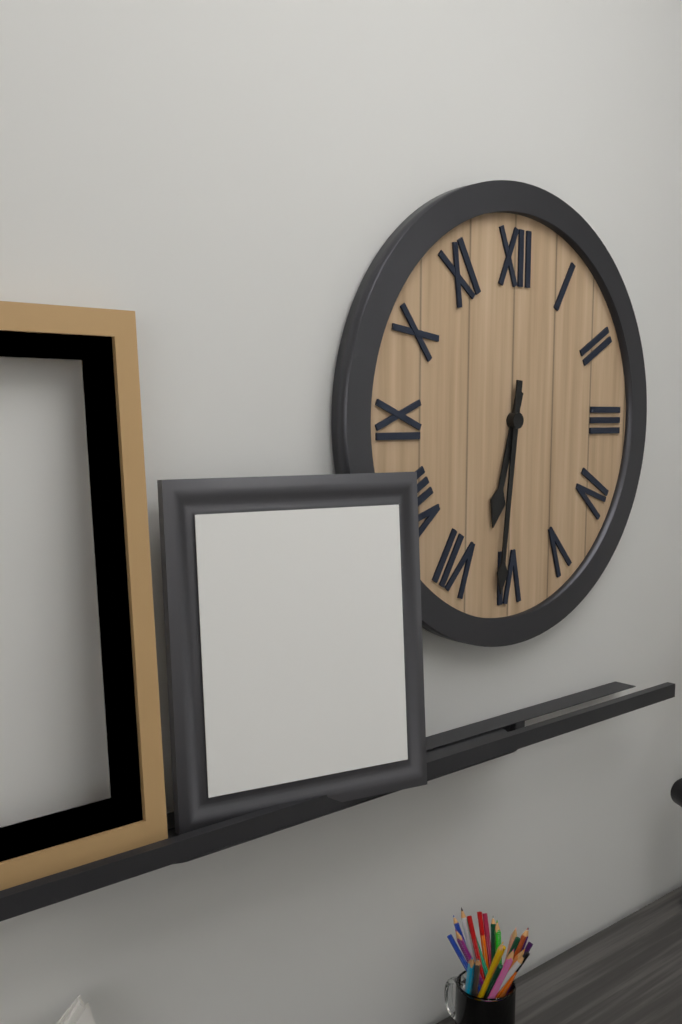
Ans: 6:31
